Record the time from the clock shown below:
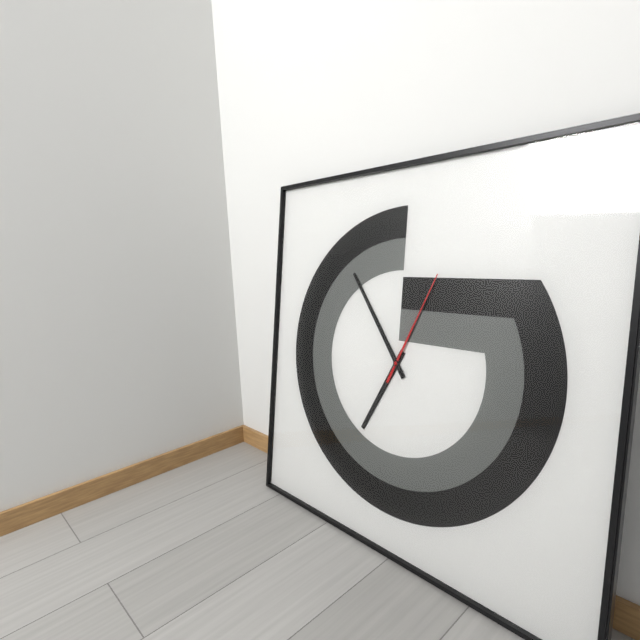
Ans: 6:54:04
